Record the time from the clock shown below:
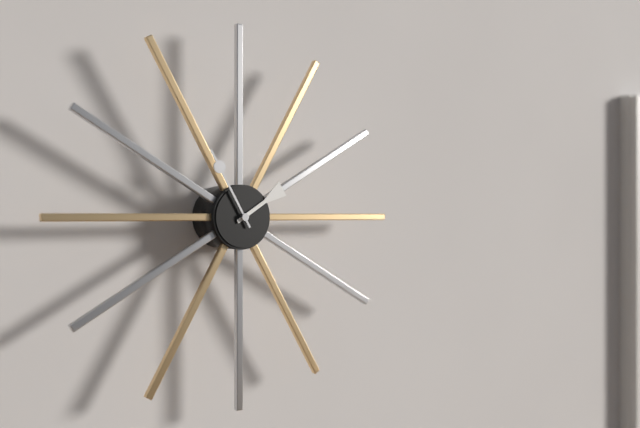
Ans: 1:55
